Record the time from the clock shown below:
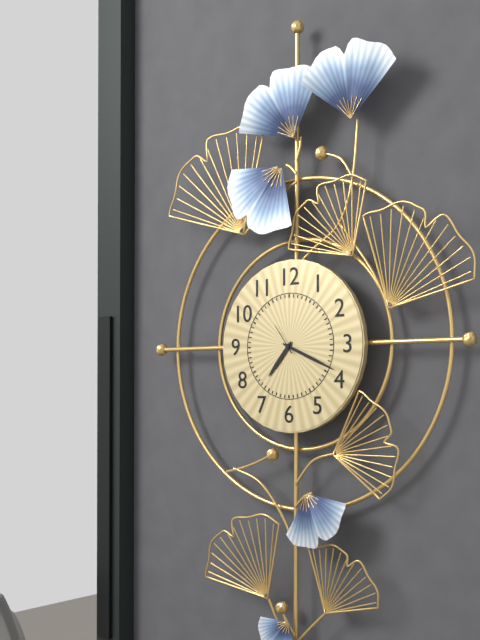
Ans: 7:19
